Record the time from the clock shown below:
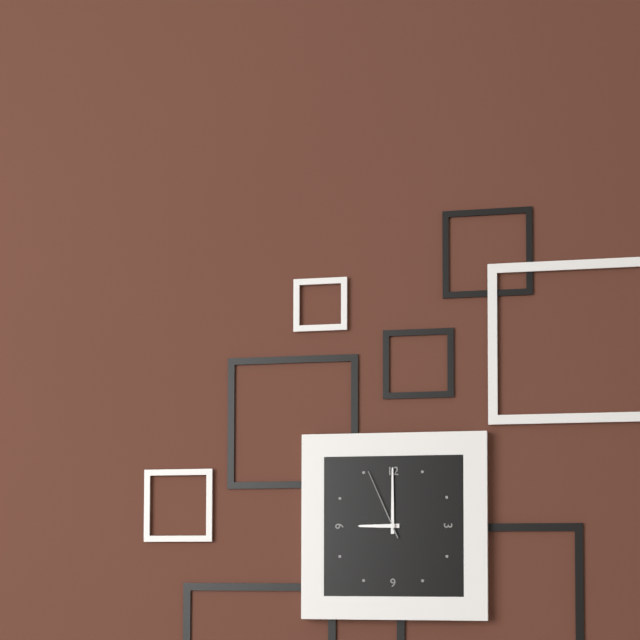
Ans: 9:00:56
